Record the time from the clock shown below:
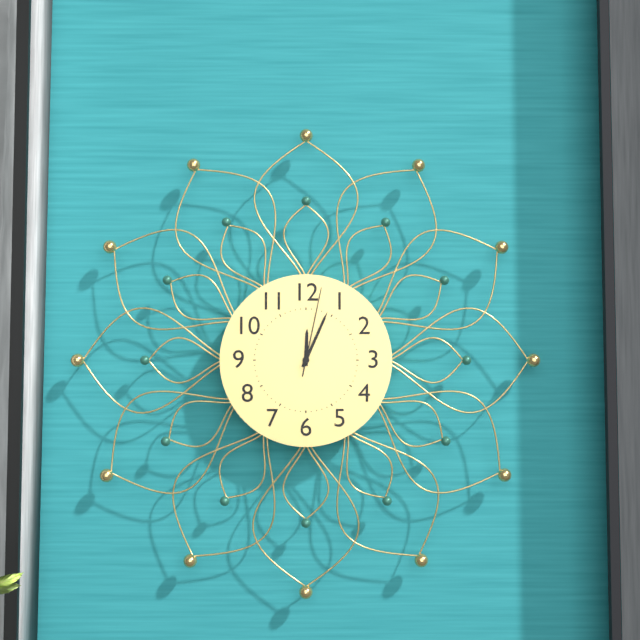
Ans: 12:04:02
